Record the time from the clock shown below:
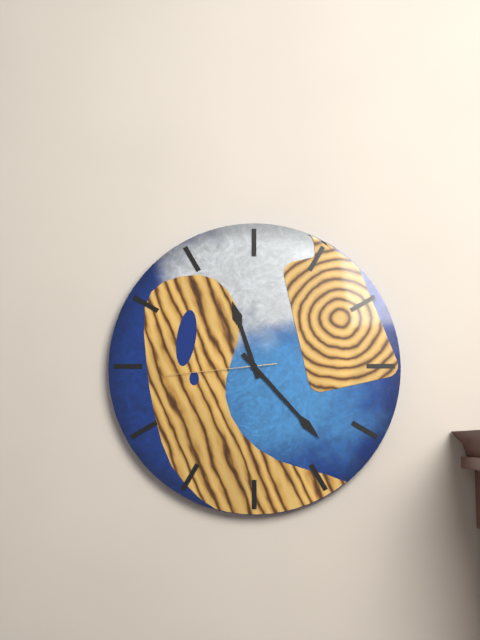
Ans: 11:23:44
